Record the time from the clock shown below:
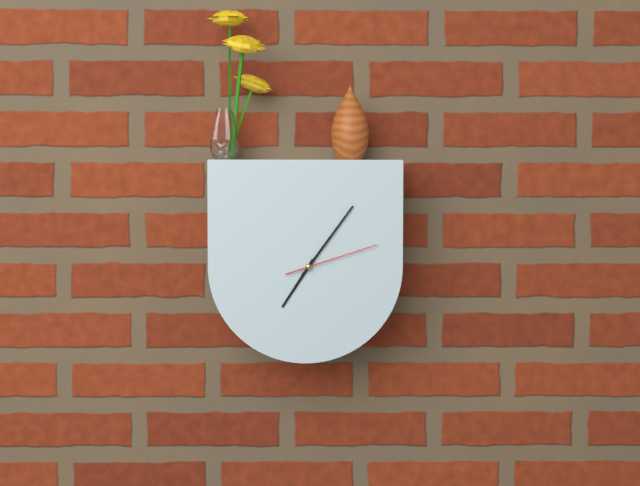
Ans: 7:06:12
